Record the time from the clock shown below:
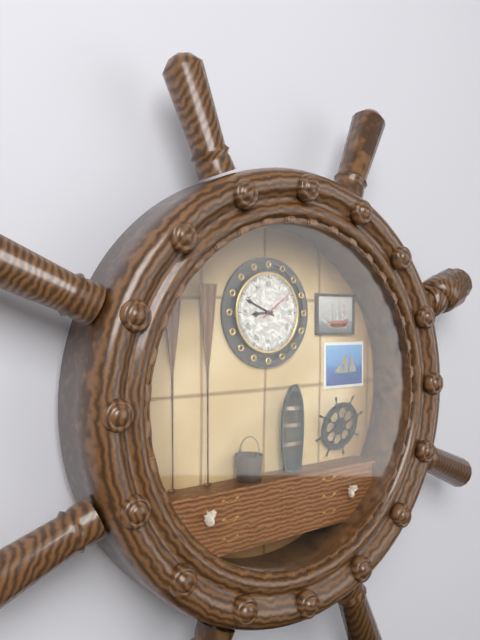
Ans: 8:49
